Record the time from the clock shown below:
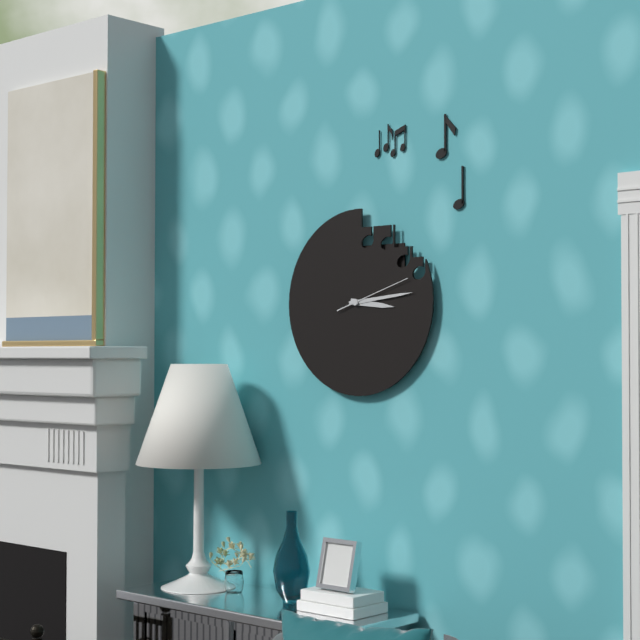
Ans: 3:14:12
